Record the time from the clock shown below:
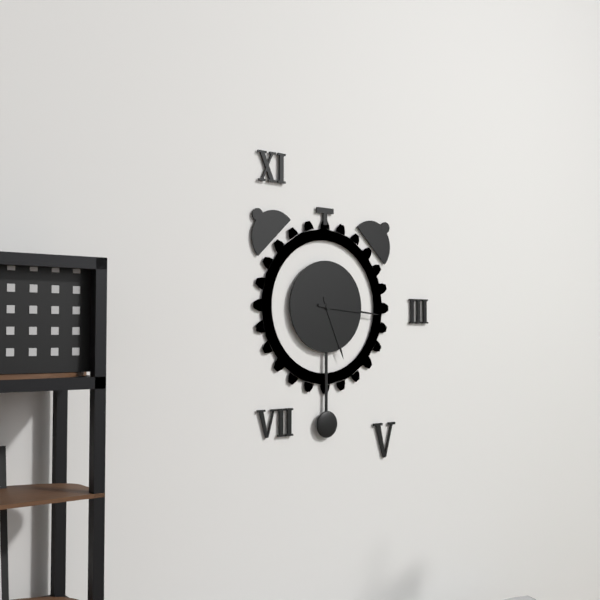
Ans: 5:16
